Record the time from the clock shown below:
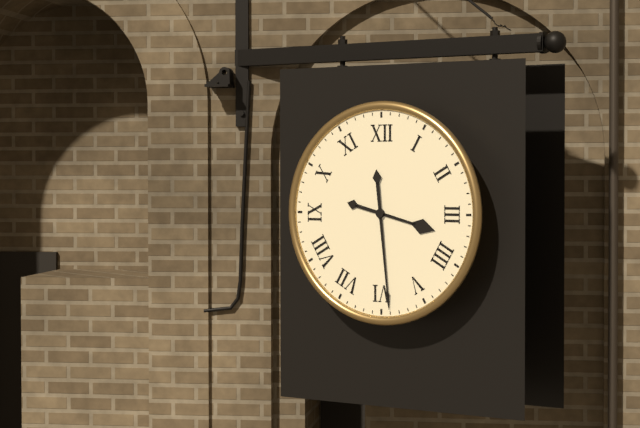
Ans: 3:29
